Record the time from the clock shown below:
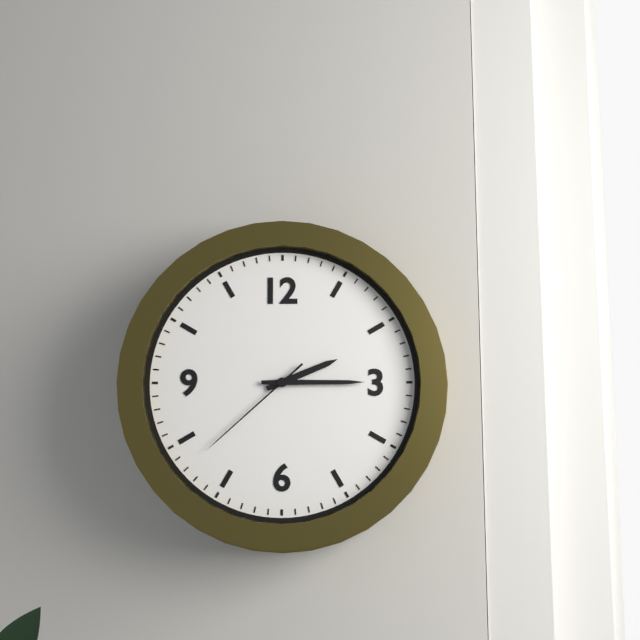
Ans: 2:15:38
